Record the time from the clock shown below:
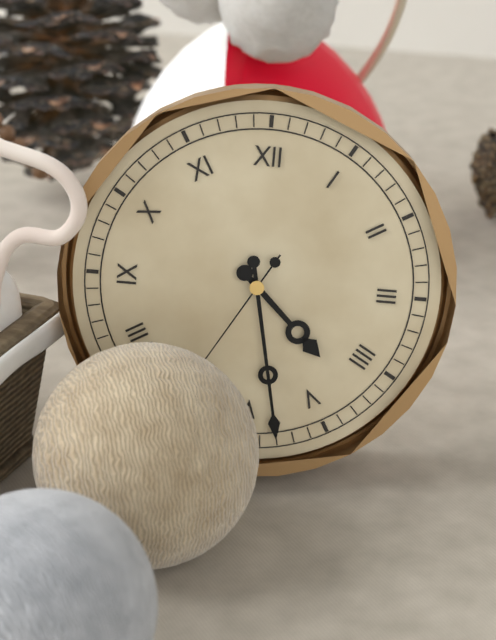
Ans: 4:28
